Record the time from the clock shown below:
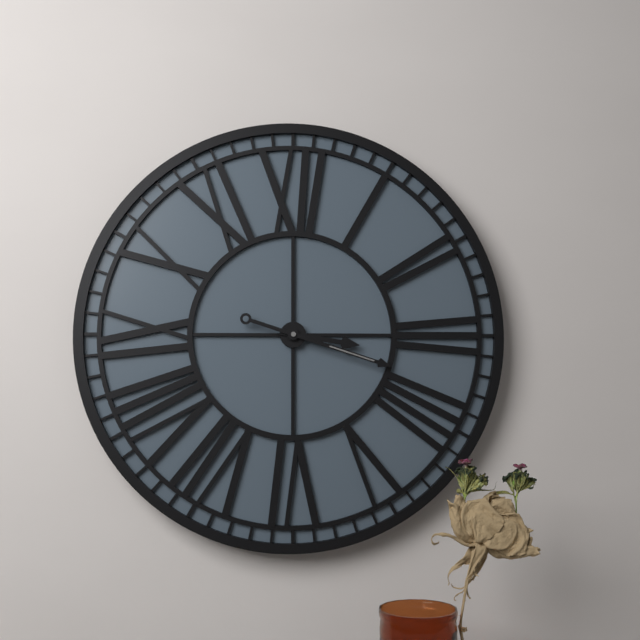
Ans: 3:18
